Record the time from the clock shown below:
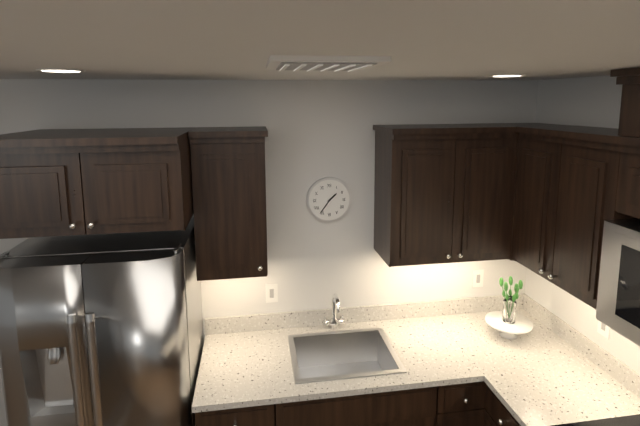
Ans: 1:36
